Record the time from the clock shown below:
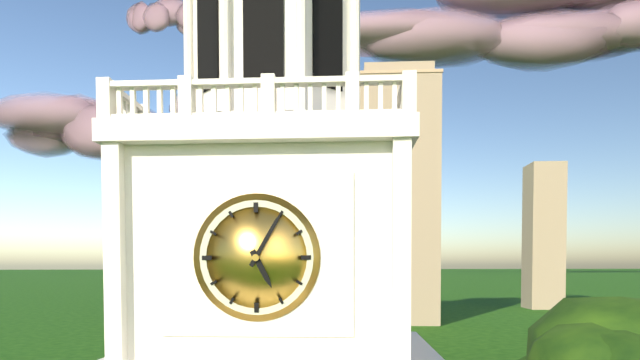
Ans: 5:05
